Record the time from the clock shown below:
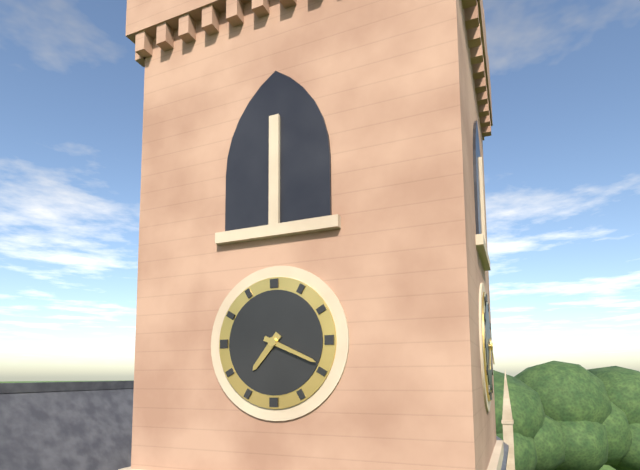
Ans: 7:19
